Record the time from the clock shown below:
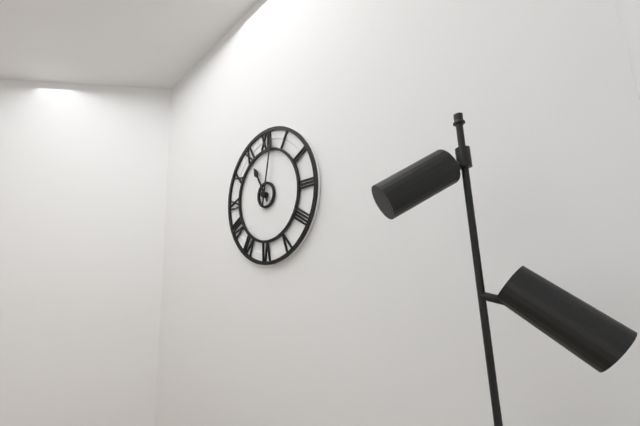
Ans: 11:02
